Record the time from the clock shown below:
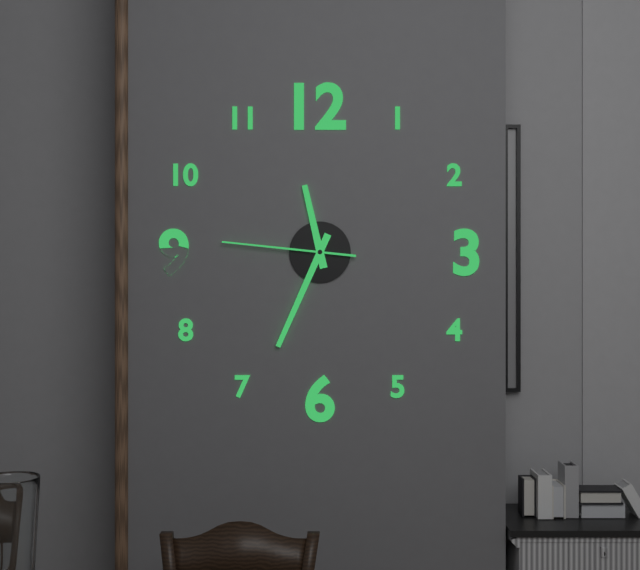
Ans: 11:34:46
